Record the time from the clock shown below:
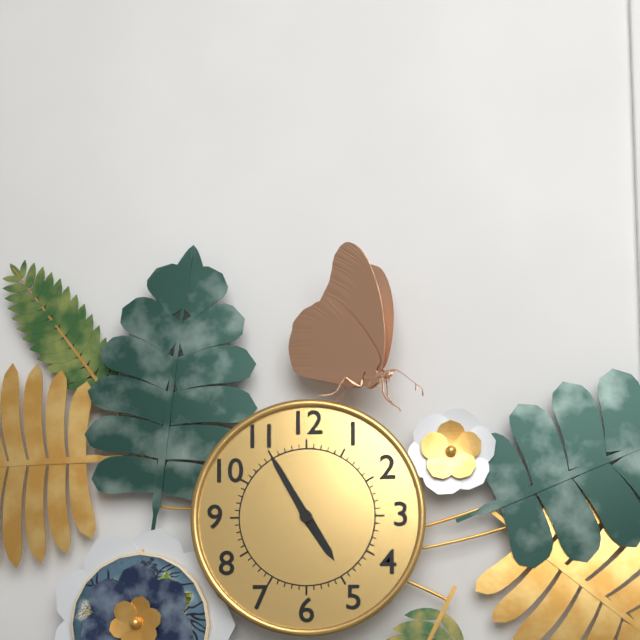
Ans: 4:55
